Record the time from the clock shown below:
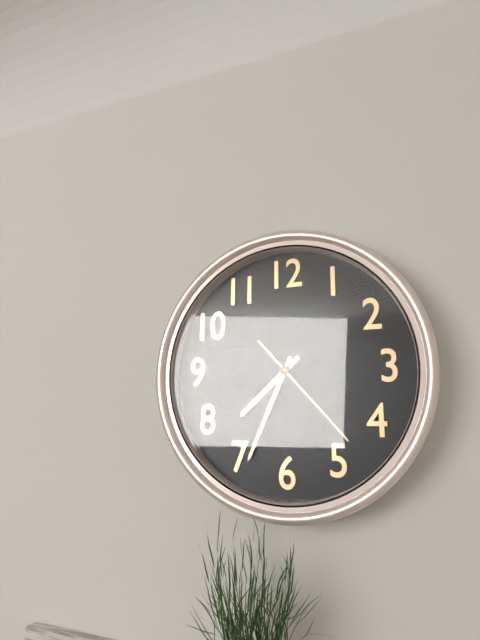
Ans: 7:34:23
